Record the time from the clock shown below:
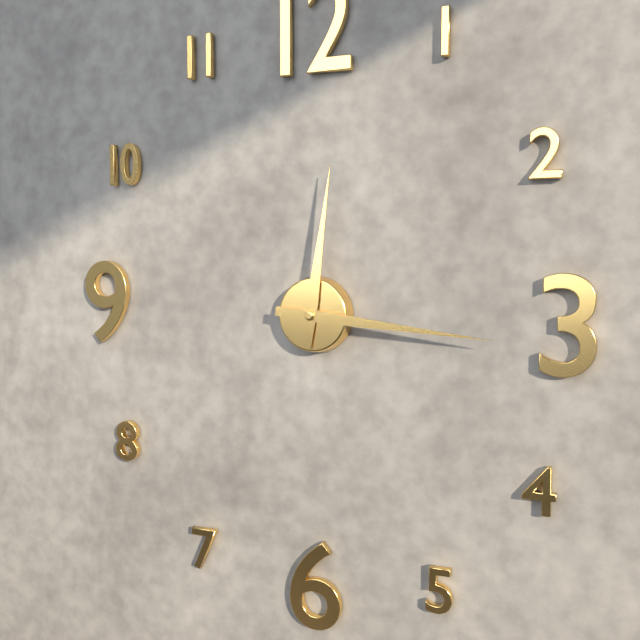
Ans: 12:16
